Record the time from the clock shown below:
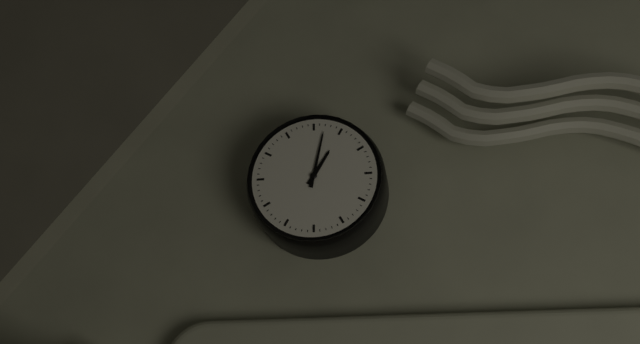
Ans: 1:02
